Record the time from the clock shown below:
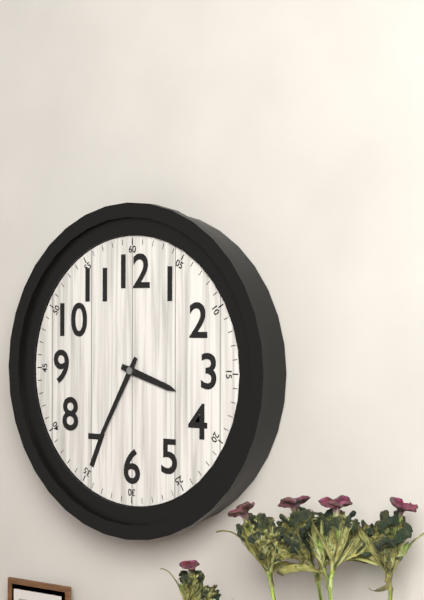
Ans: 3:35
